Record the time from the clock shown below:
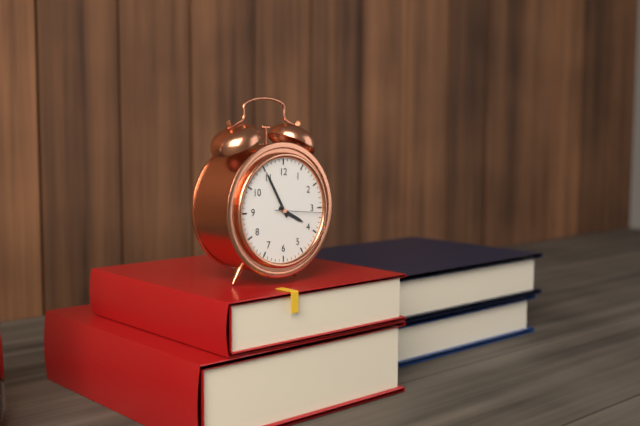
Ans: 3:55
